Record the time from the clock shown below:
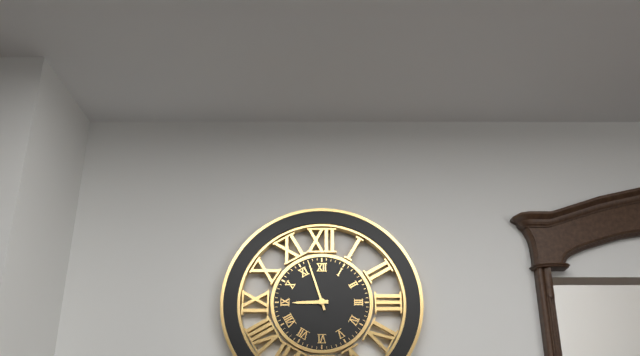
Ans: 8:57
